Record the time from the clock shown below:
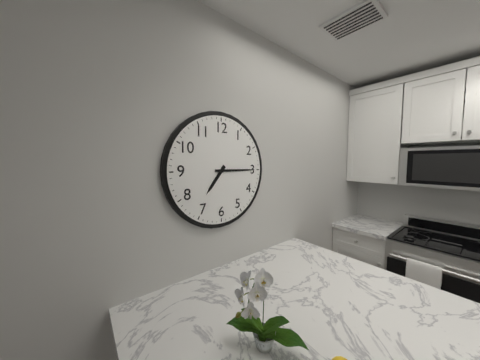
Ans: 7:15
